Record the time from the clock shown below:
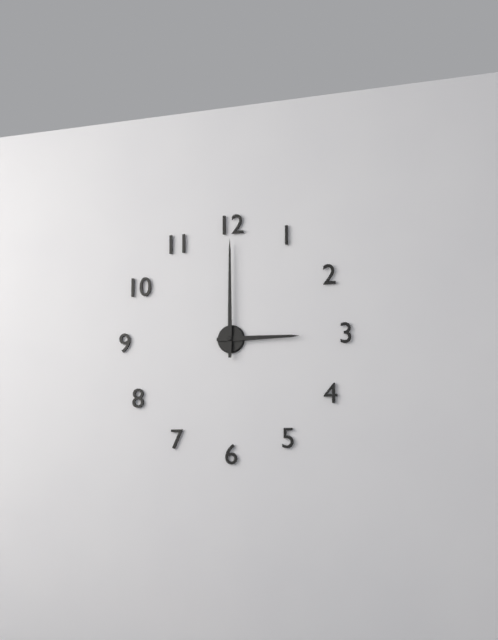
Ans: 3:00
